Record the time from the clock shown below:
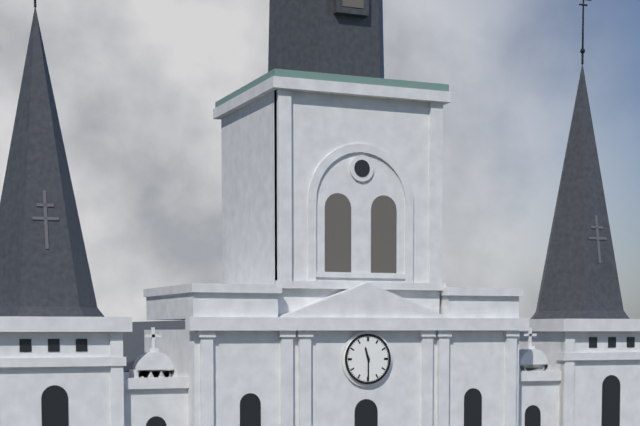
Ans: 11:30
